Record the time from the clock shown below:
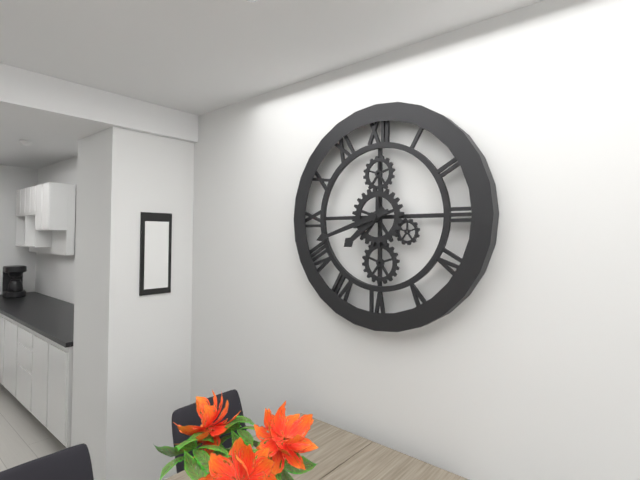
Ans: 7:42
